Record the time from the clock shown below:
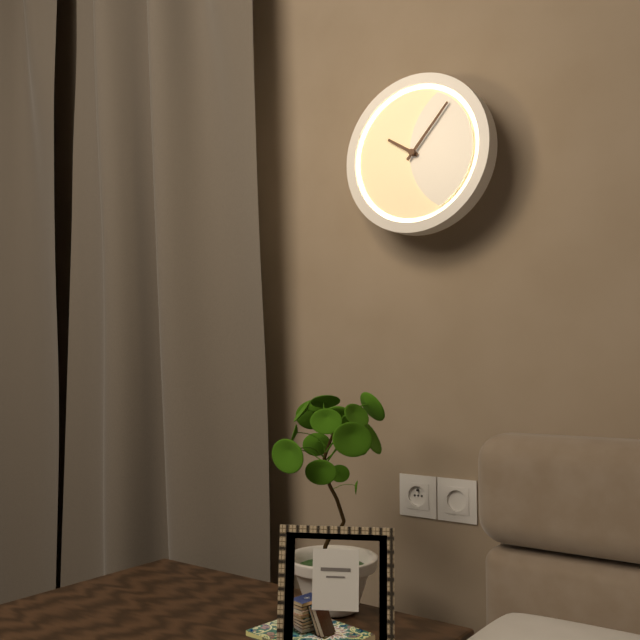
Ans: 10:07
